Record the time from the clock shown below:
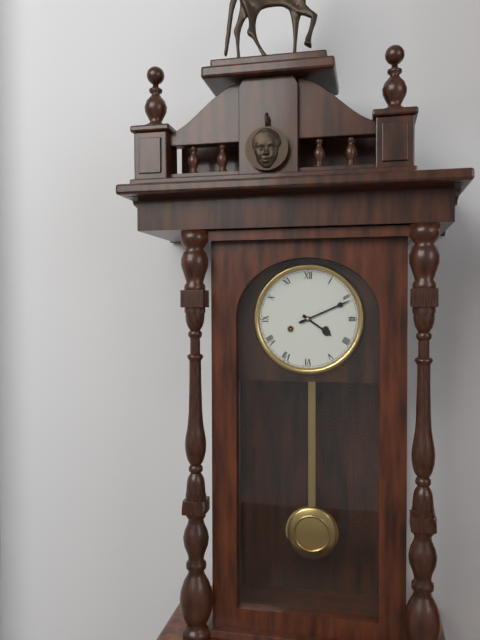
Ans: 4:11
